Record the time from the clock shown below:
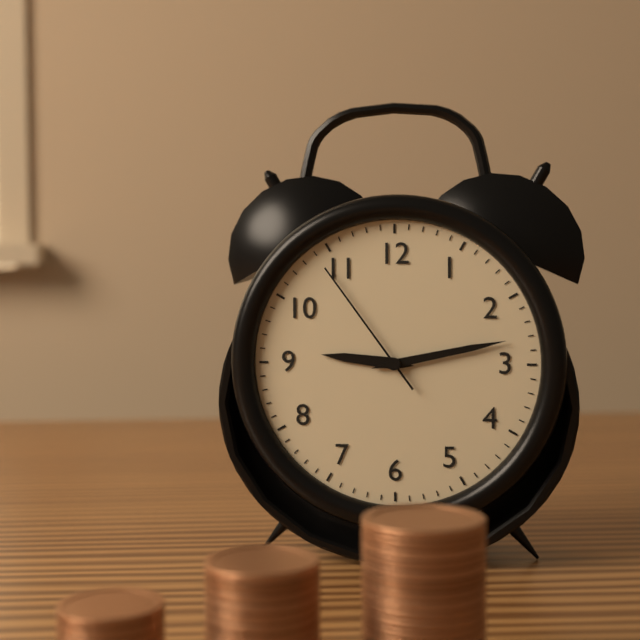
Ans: 9:13:54
